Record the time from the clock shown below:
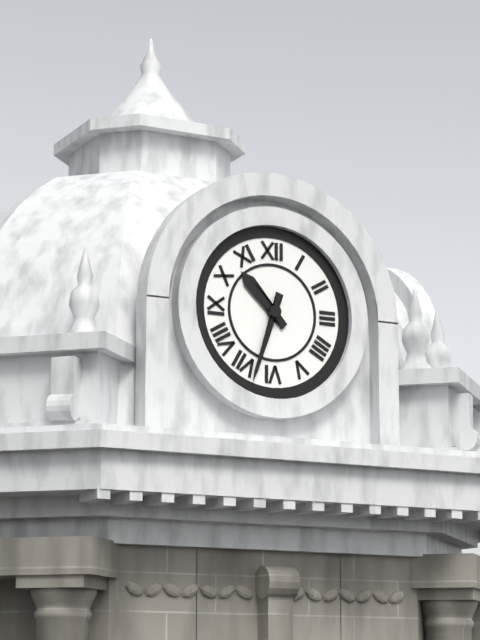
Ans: 10:33
